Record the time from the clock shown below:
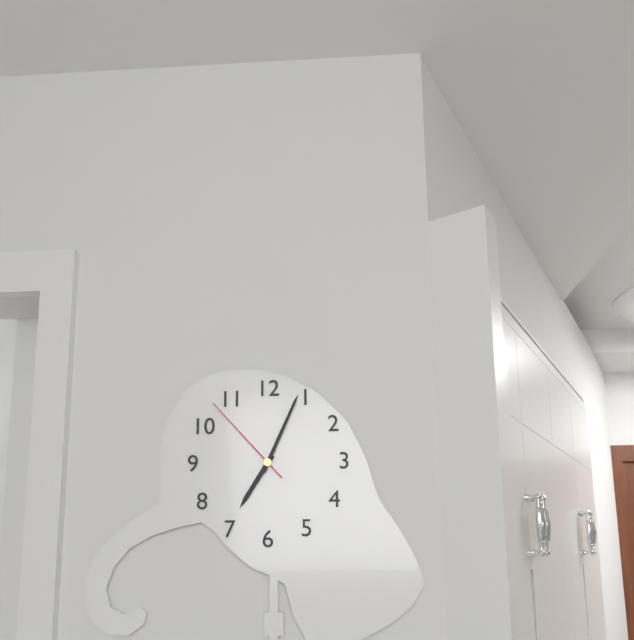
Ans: 7:04:53
